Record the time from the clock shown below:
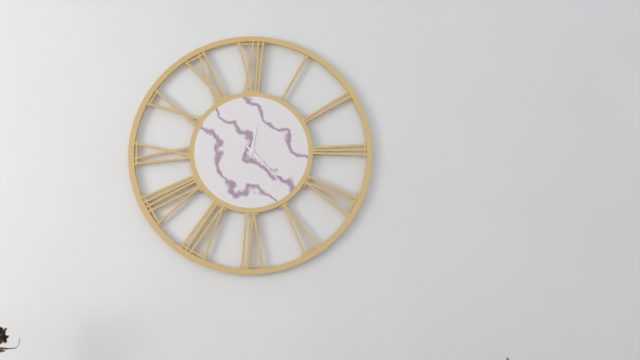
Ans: 12:23
